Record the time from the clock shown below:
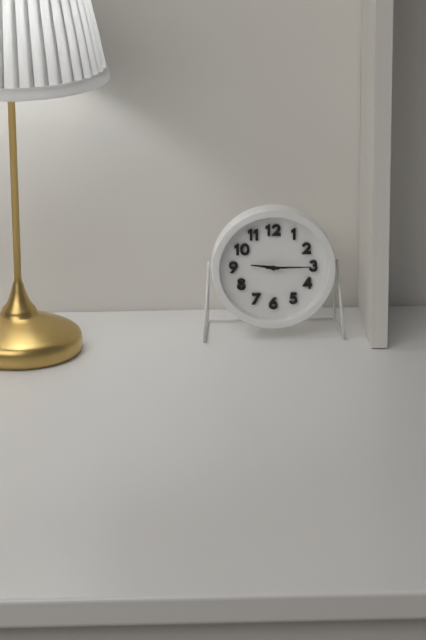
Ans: 9:15
